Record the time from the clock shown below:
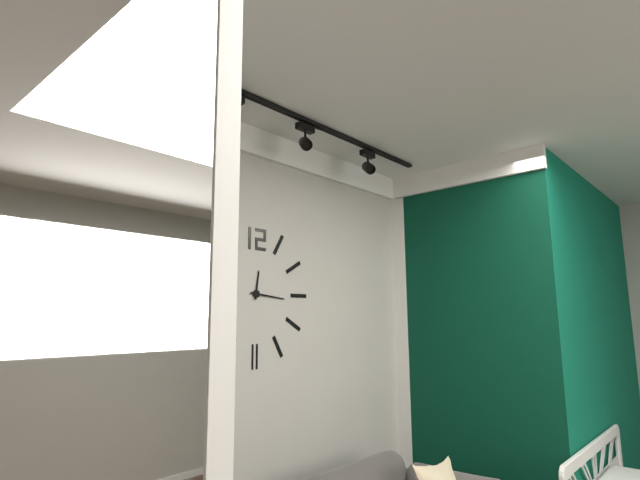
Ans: 12:16
